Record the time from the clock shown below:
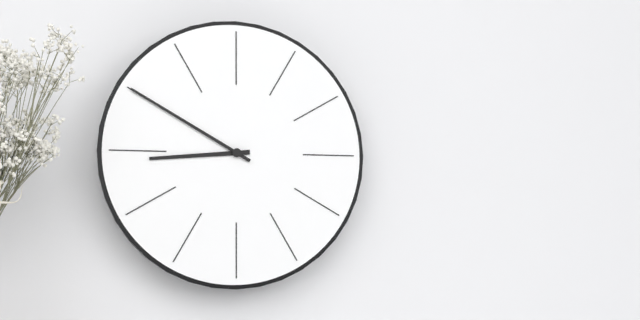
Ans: 8:50
